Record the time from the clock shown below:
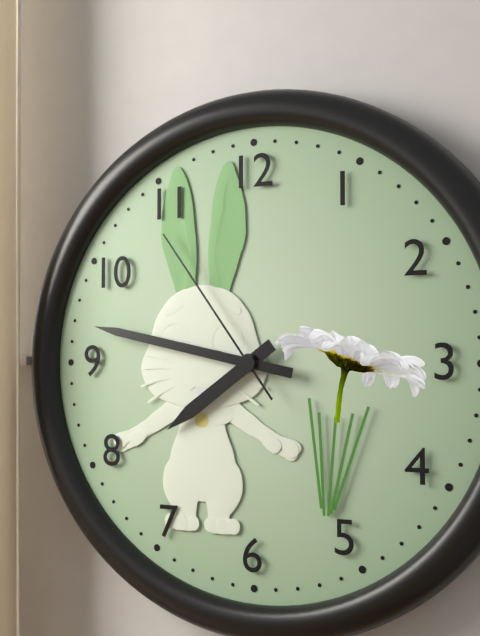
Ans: 7:47:54
